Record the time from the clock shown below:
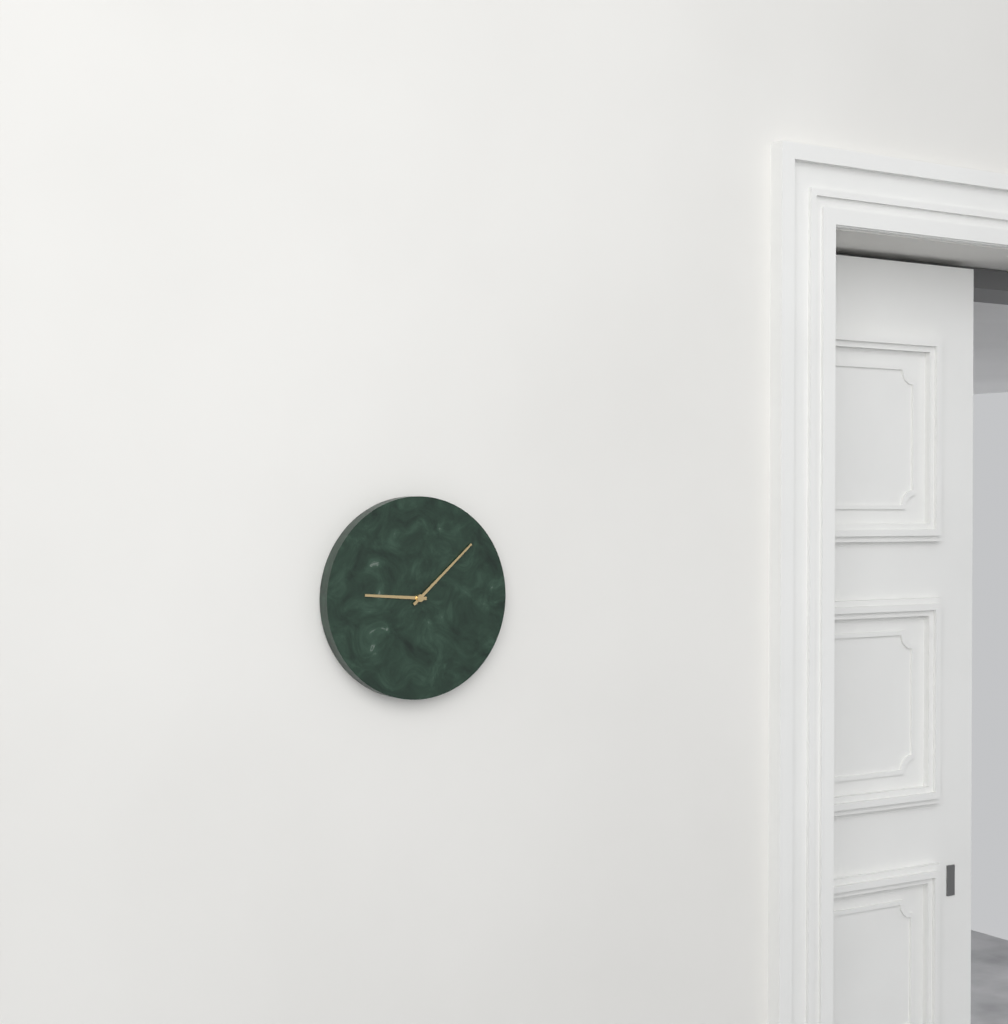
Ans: 9:08
